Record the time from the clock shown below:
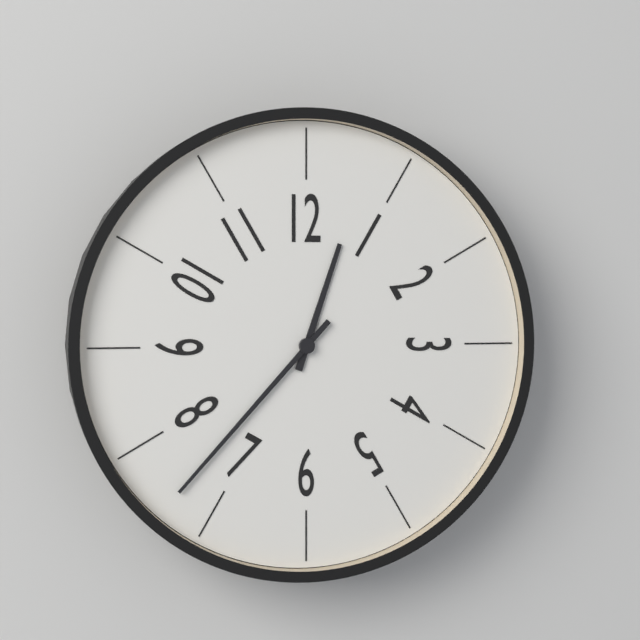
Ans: 12:37
